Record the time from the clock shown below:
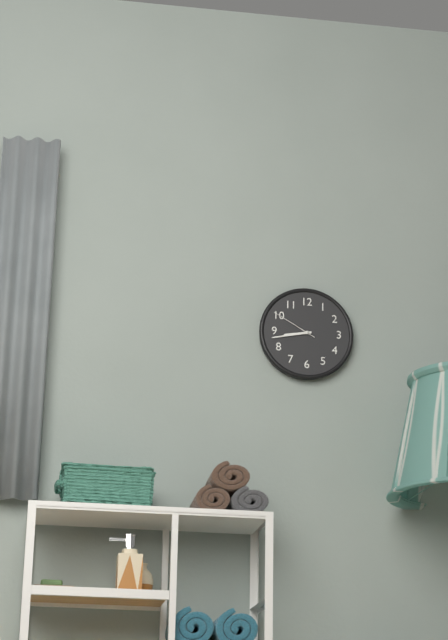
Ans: 8:43
